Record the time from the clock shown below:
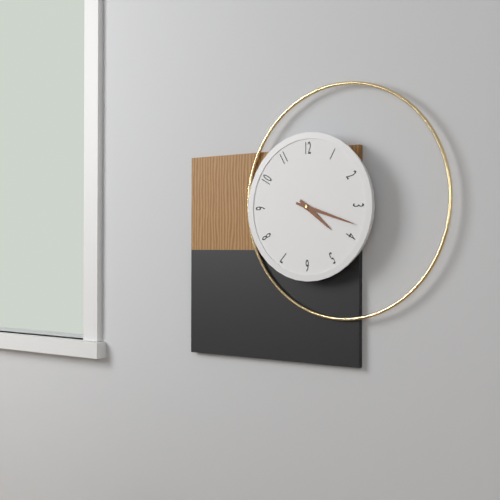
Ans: 4:18
